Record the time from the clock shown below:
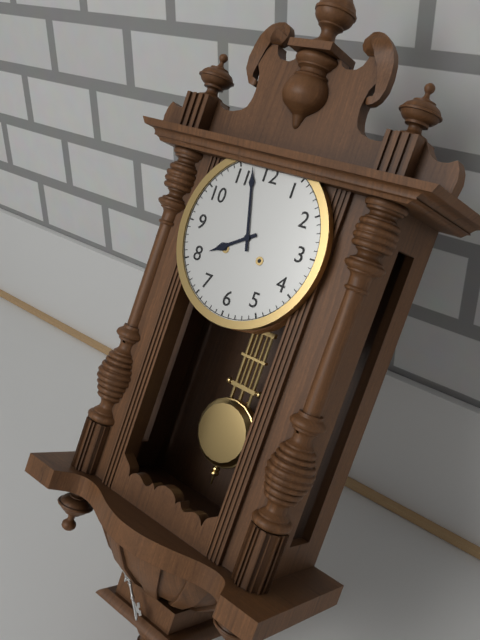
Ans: 7:57
